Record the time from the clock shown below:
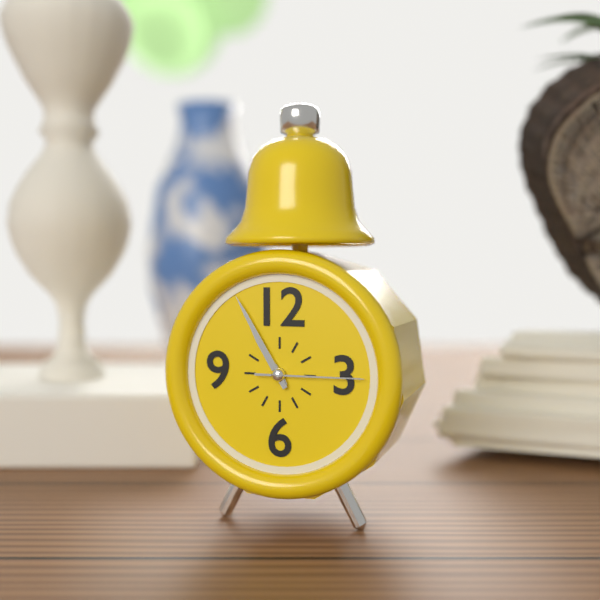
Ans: 10:55:15
